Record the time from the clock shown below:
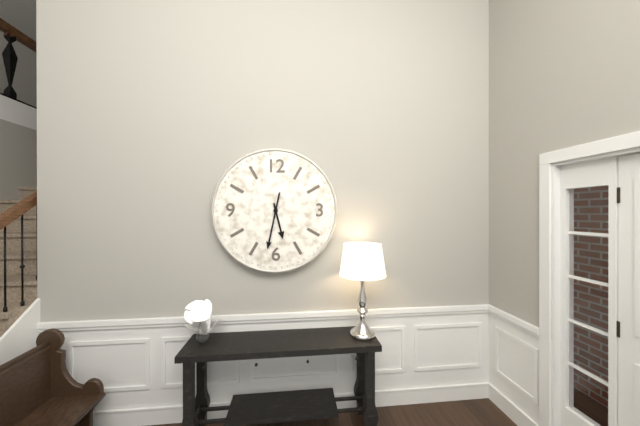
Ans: 5:32
